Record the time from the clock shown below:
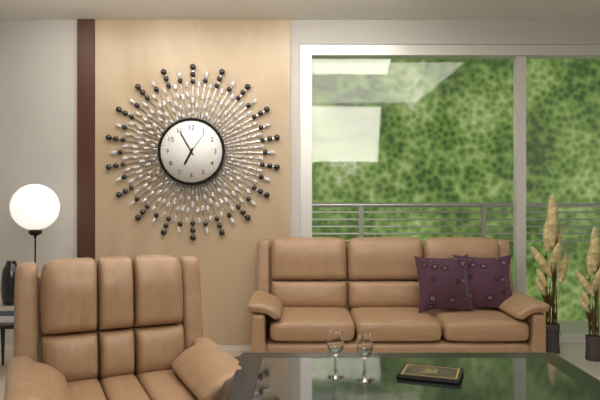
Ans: 6:55
